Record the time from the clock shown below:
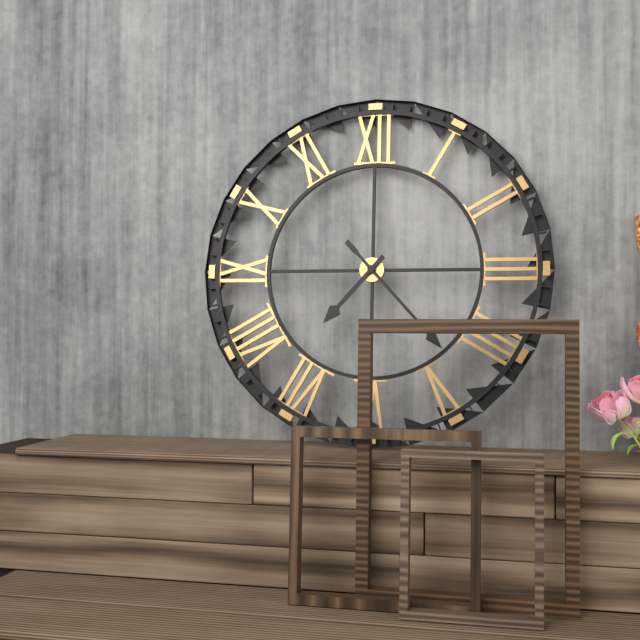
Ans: 7:23
